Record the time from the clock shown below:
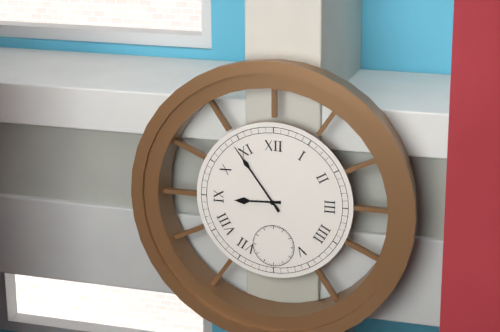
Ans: 8:54
